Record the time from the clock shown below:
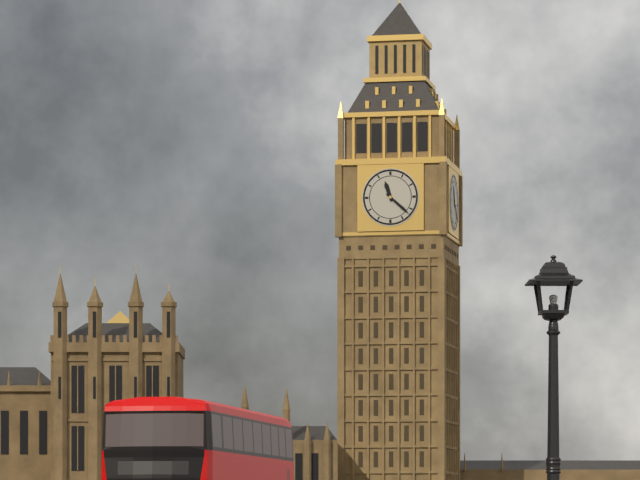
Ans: 11:22
